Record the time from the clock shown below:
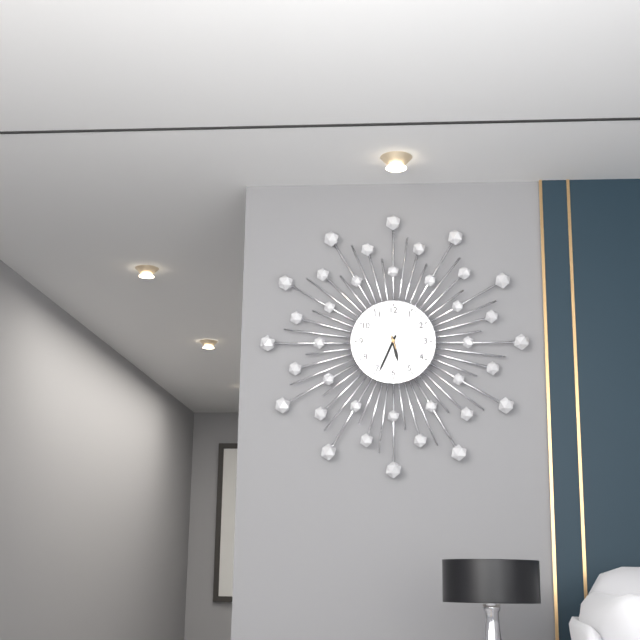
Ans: 5:34
